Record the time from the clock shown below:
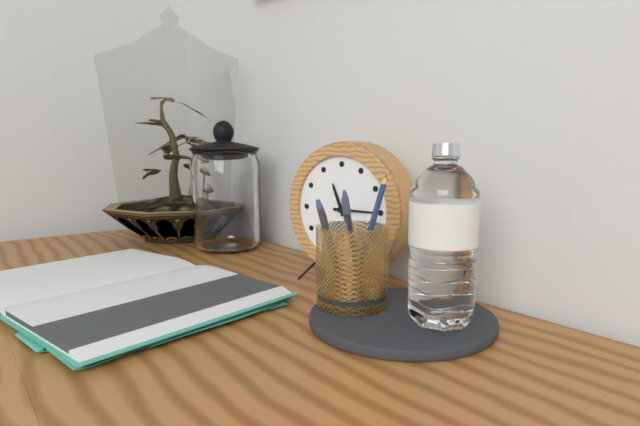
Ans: 11:15
